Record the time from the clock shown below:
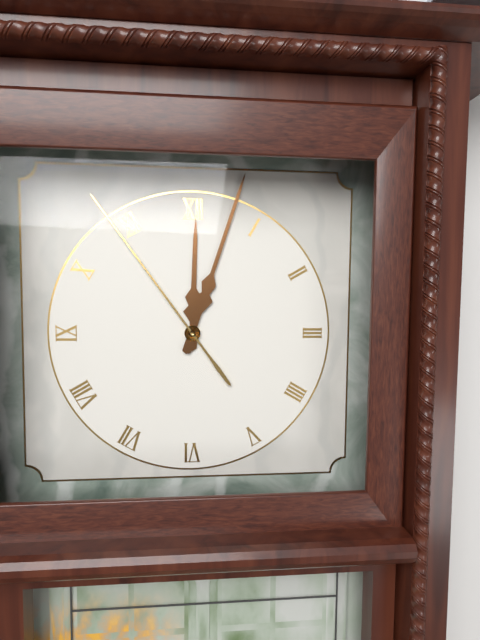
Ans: 12:03:54
